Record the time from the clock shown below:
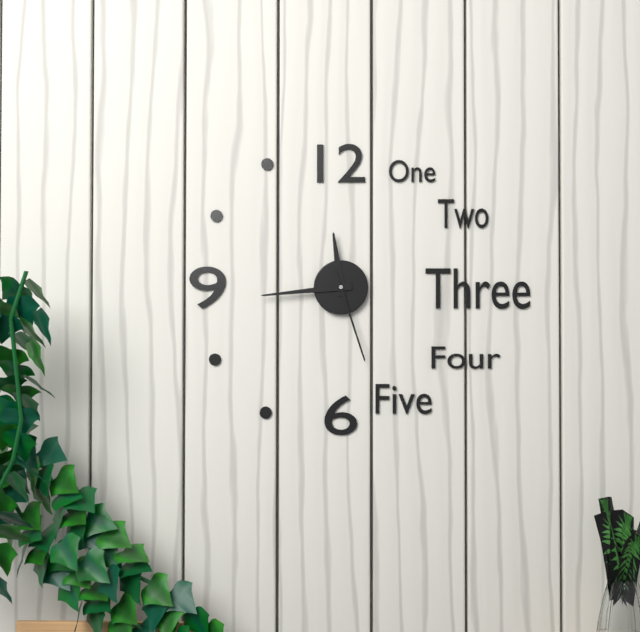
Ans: 11:44:27
